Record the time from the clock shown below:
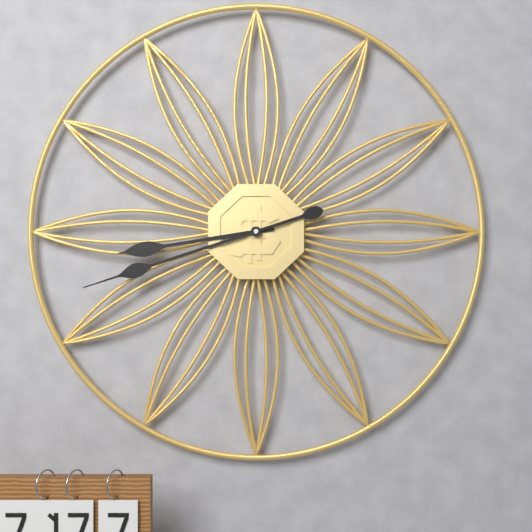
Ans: 8:42
